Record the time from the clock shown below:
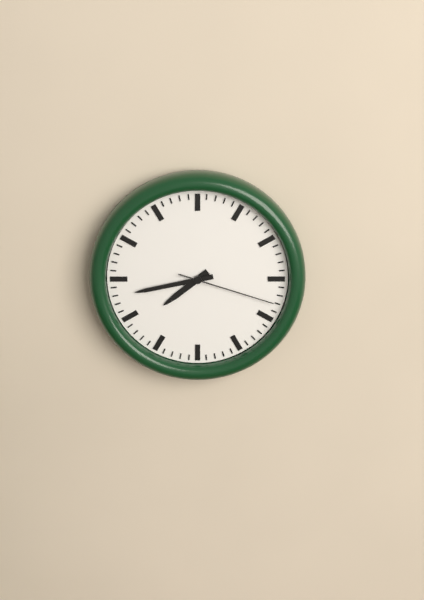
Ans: 7:43:18
